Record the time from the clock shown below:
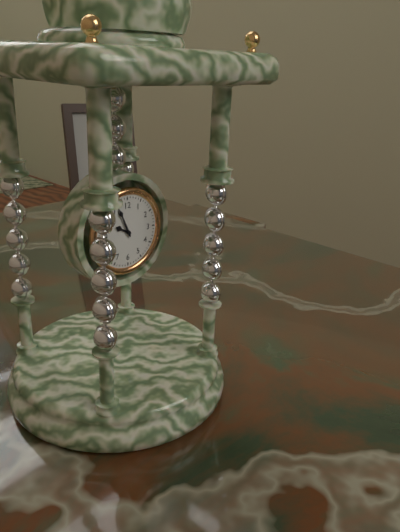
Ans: 9:56
